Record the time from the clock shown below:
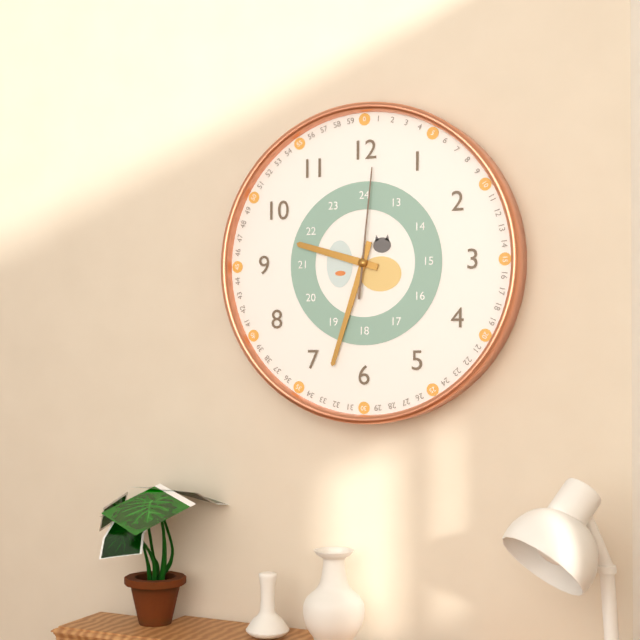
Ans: 9:33:01
